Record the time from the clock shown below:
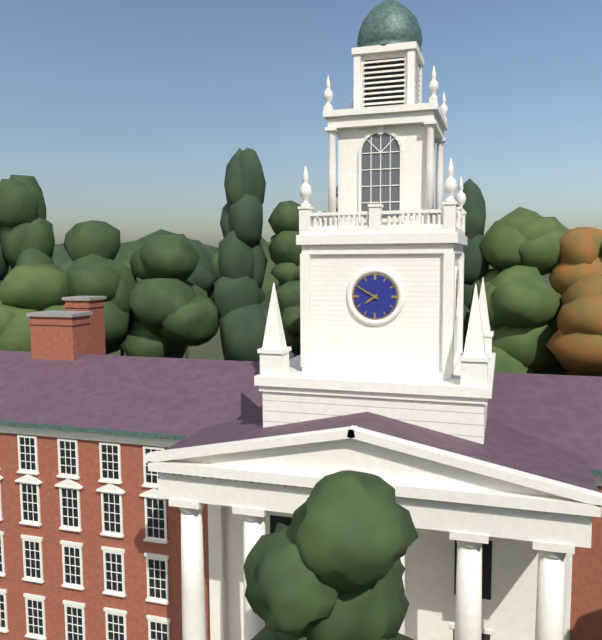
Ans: 7:50
